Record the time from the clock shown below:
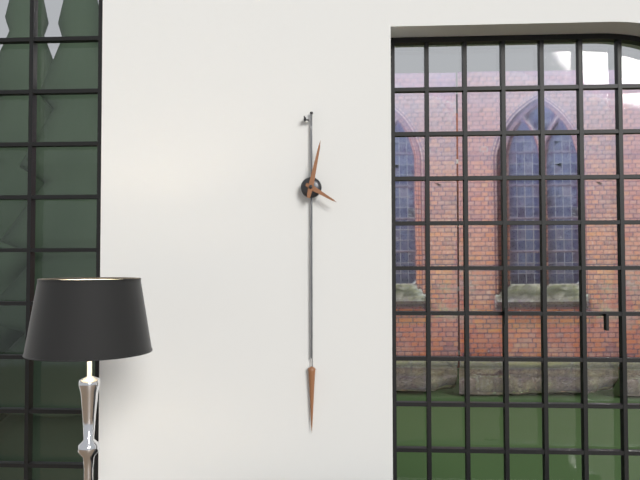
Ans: 4:02
